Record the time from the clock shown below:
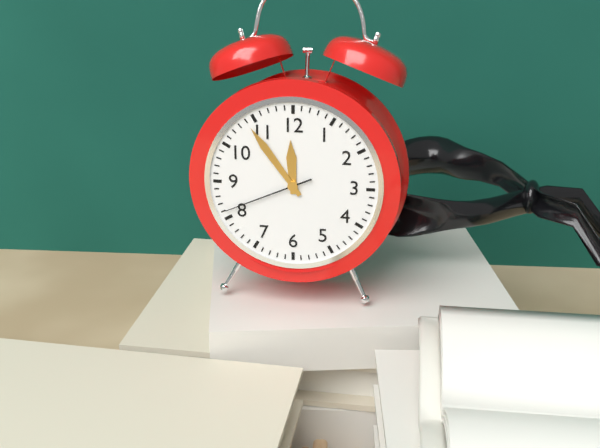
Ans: 11:54:41
